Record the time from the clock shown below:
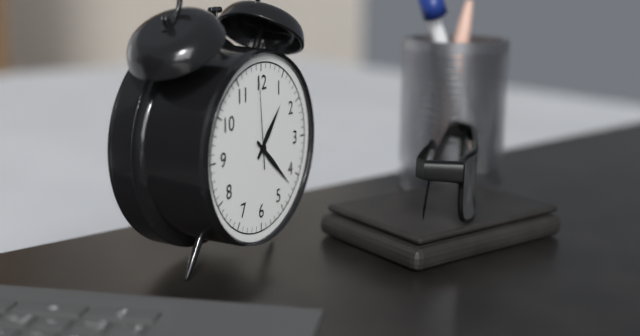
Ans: 1:22:59
